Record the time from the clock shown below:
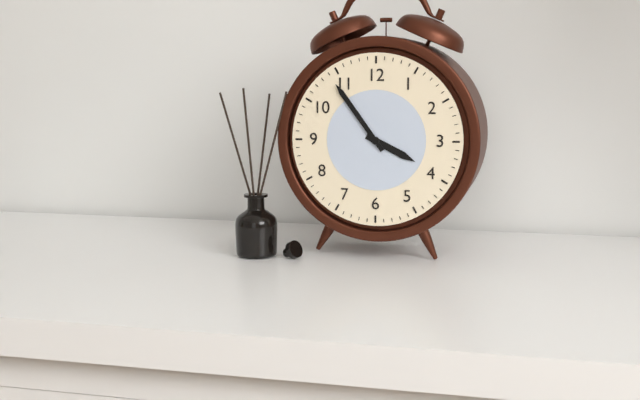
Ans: 3:54
